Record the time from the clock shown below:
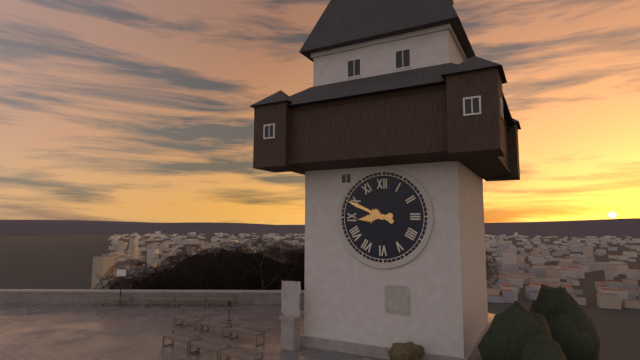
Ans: 8:49
